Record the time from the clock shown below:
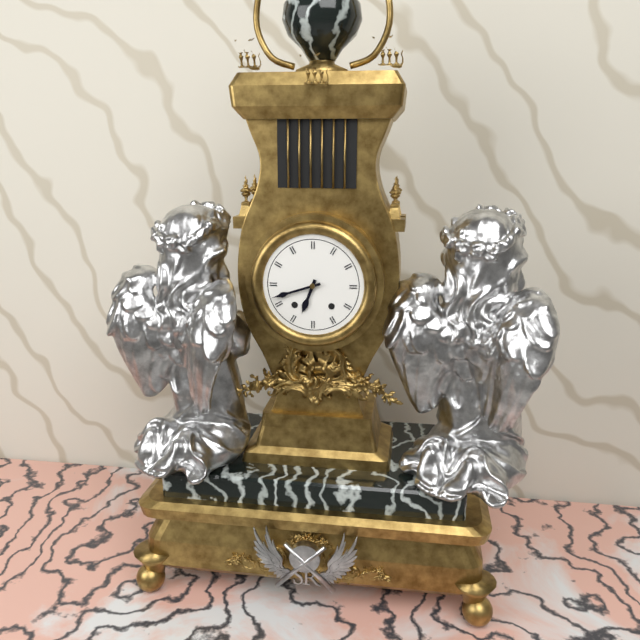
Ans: 6:42
